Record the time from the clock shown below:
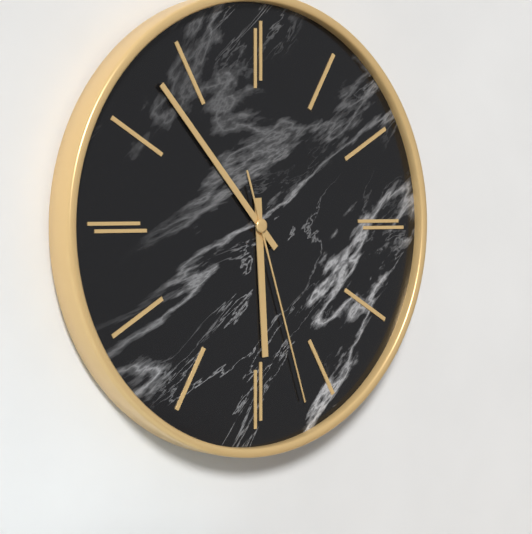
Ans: 5:53:27
